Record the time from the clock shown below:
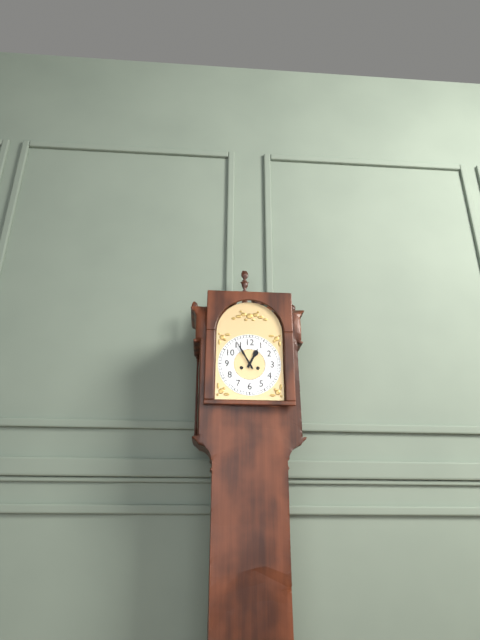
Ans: 12:55
